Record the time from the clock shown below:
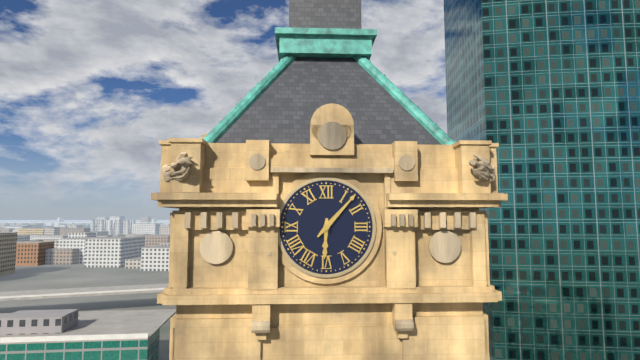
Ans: 6:07
